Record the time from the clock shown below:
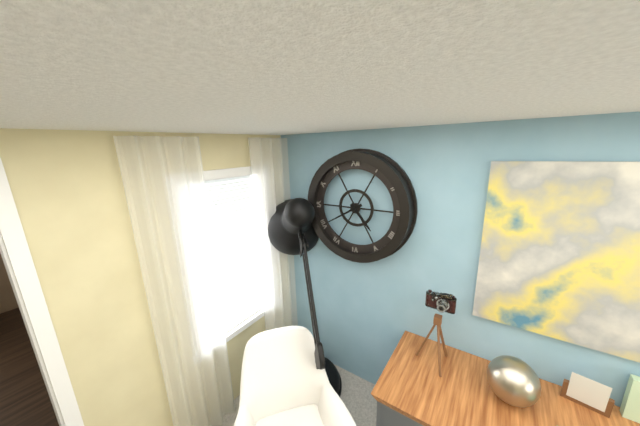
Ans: 4:40
